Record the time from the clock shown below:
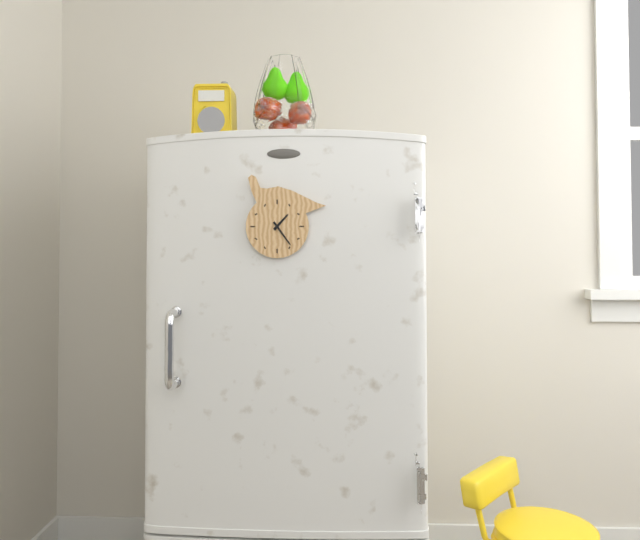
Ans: 1:24
